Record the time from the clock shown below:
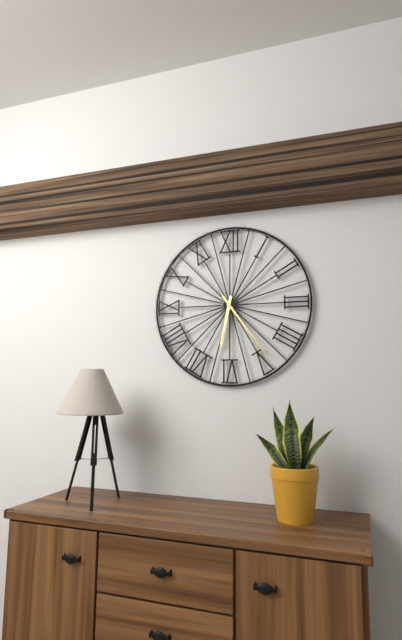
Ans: 6:24
